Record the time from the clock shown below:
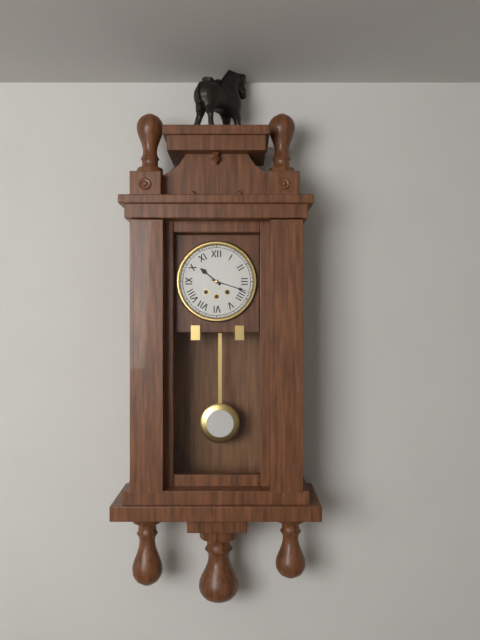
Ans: 10:18
